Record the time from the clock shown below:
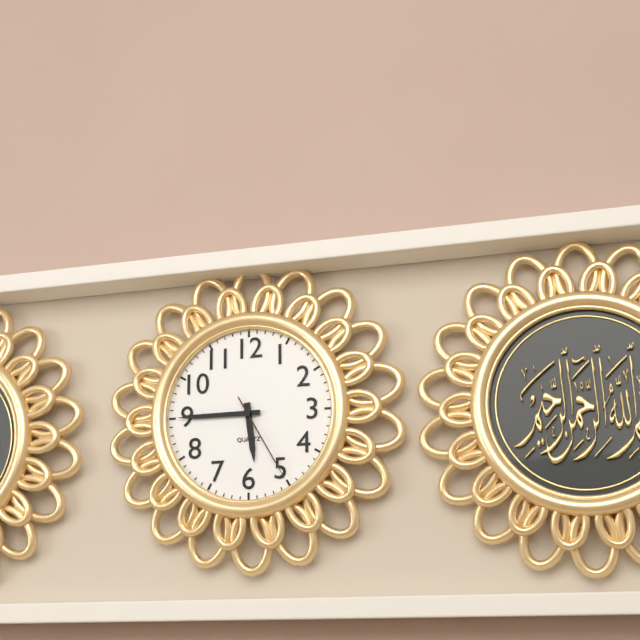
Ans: 5:45:25
